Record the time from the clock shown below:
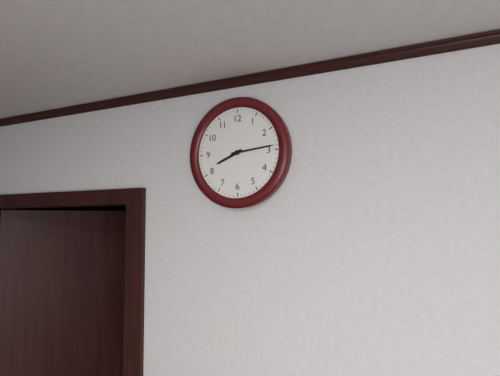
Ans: 8:14
